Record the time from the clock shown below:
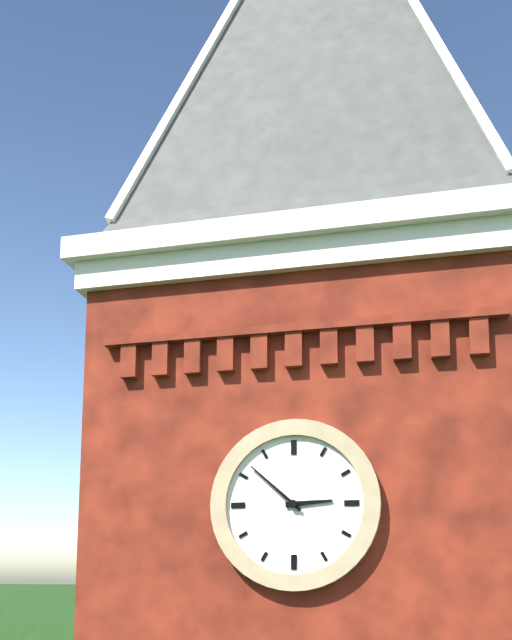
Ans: 2:52
